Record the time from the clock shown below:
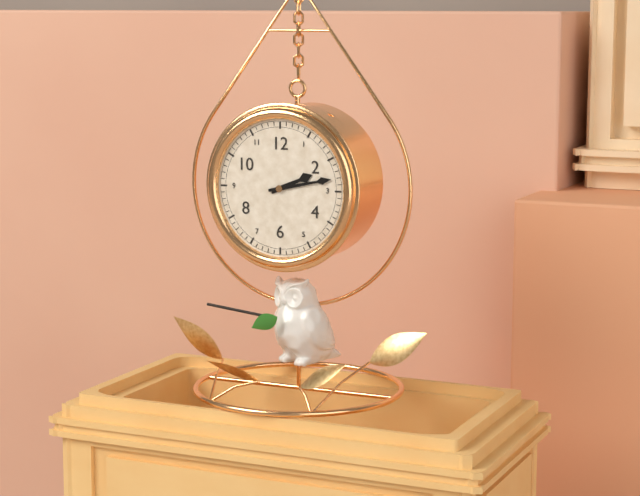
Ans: 2:13
